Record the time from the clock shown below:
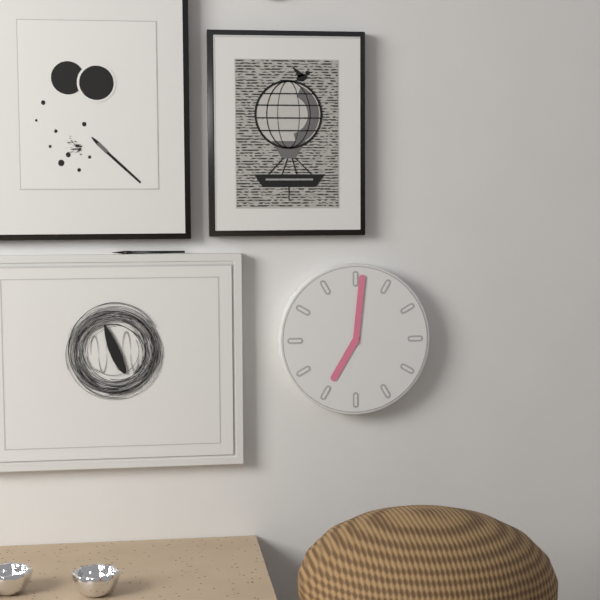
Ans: 7:01
